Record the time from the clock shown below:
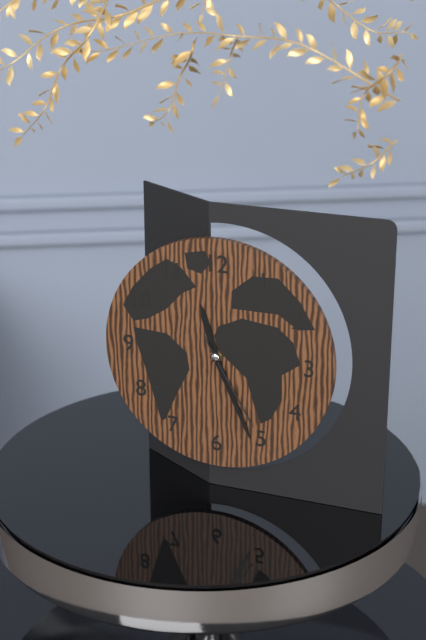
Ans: 11:26:25
